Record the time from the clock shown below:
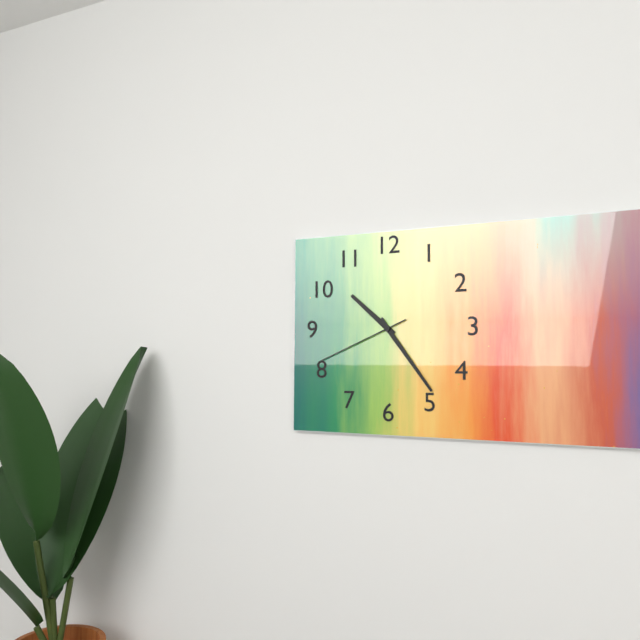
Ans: 10:24:41
